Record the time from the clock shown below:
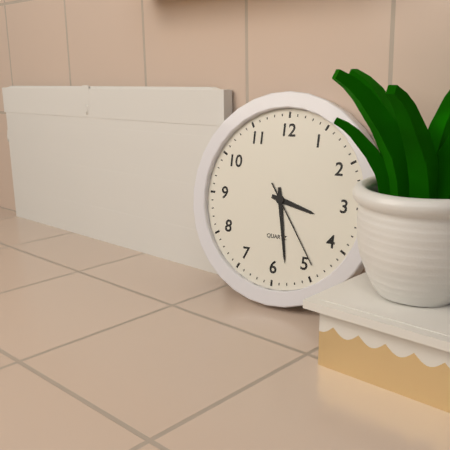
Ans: 3:28:24
